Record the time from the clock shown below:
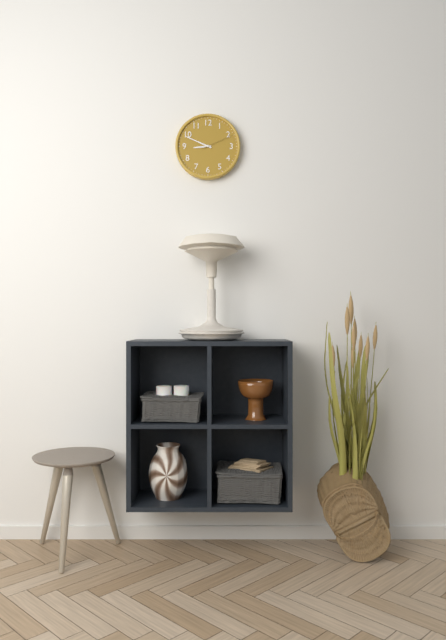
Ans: 8:49
